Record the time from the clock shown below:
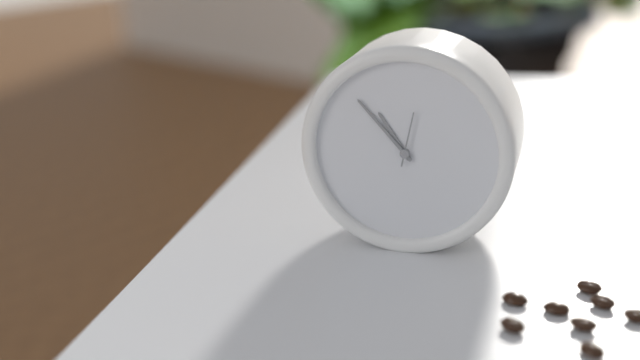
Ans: 10:53:02
